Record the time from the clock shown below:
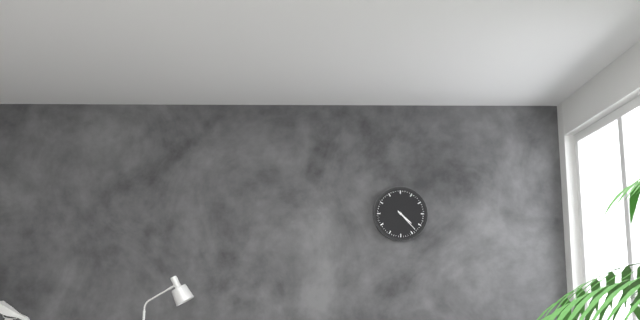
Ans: 4:23
